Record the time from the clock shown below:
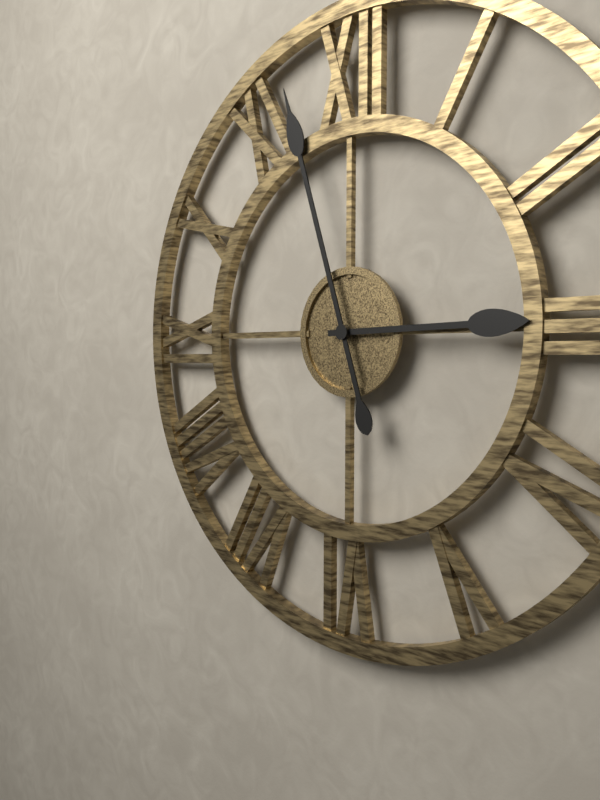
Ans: 2:57
